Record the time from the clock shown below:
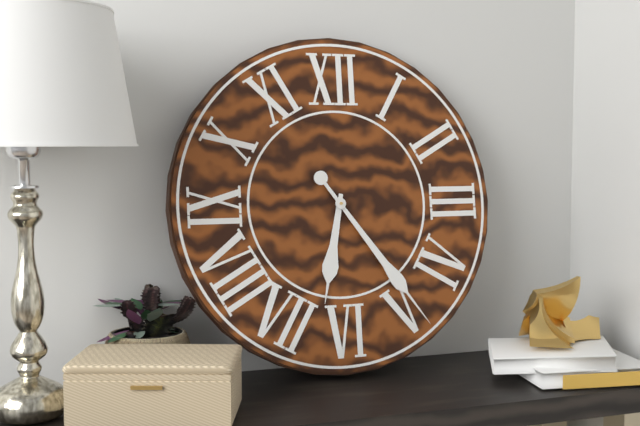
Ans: 6:24
